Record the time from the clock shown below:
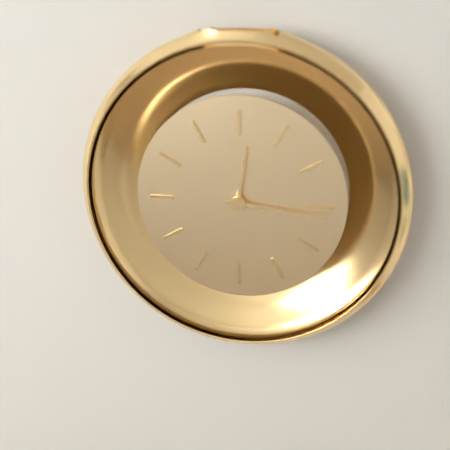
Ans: 12:16
